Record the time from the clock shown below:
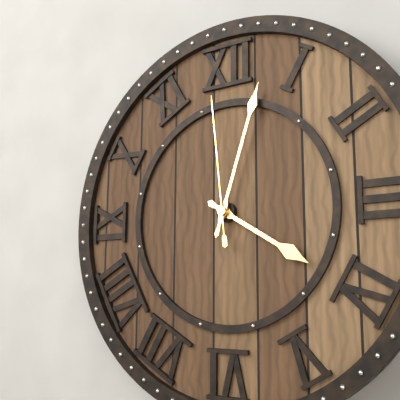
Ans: 4:03:59
